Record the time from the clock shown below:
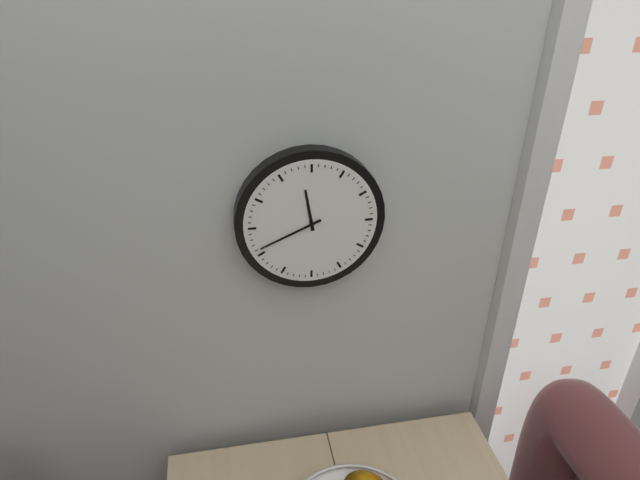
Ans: 11:41
